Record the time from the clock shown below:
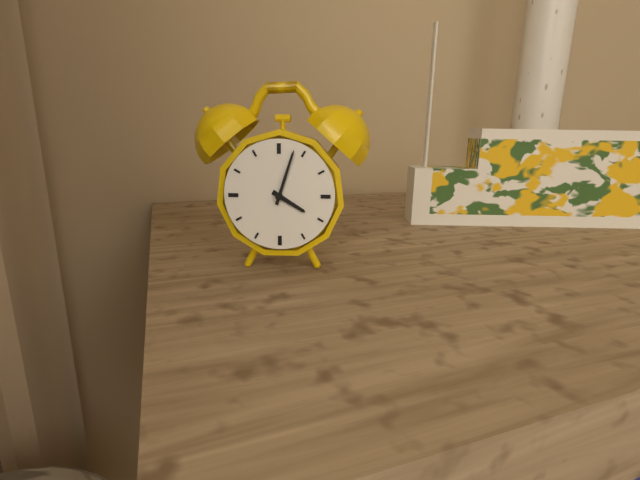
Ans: 4:03
